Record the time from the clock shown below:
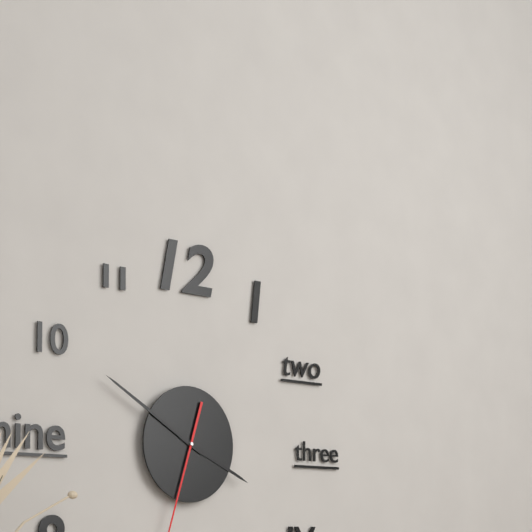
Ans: 3:50
